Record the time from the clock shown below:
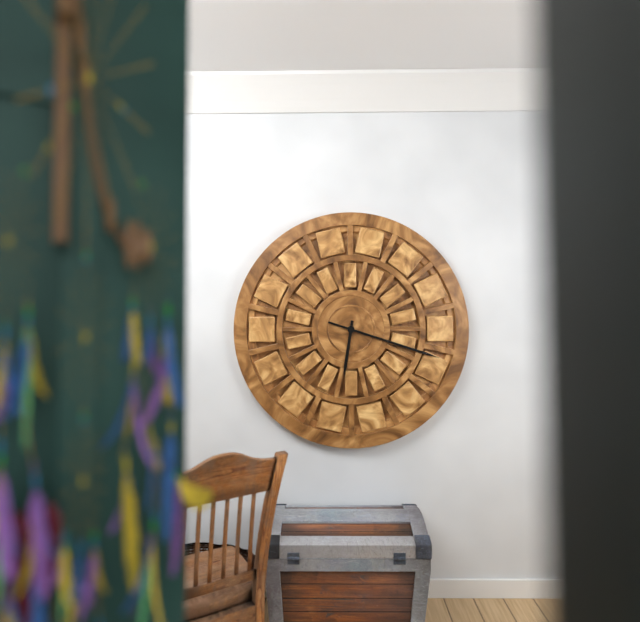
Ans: 6:18
